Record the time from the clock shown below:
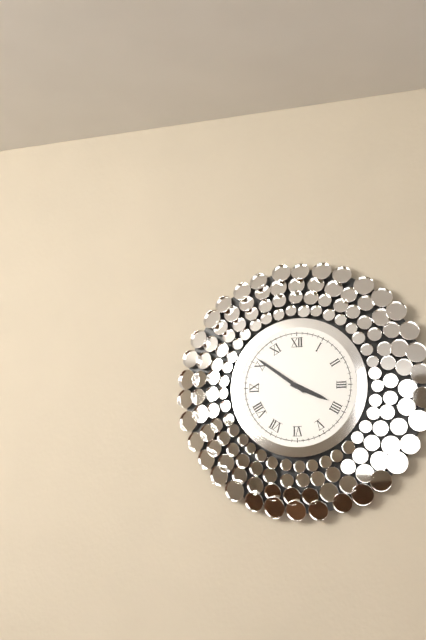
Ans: 3:51
